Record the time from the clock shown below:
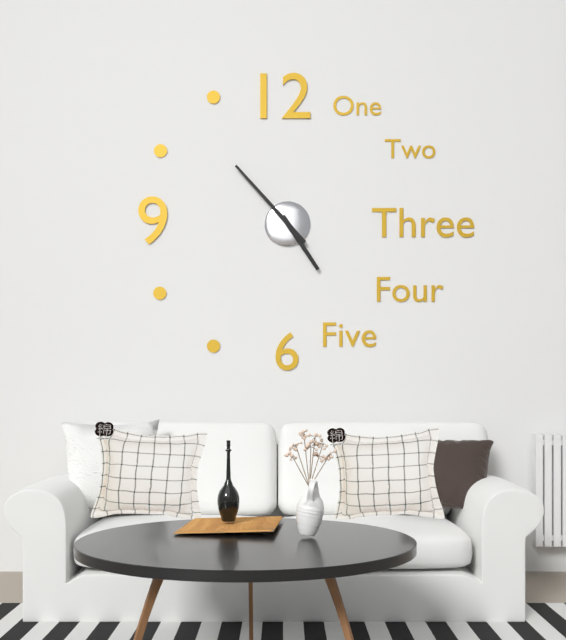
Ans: 4:53
